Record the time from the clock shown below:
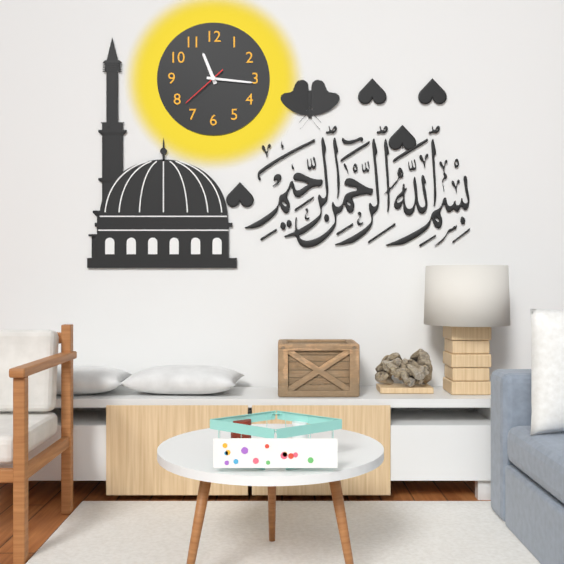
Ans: 11:16
